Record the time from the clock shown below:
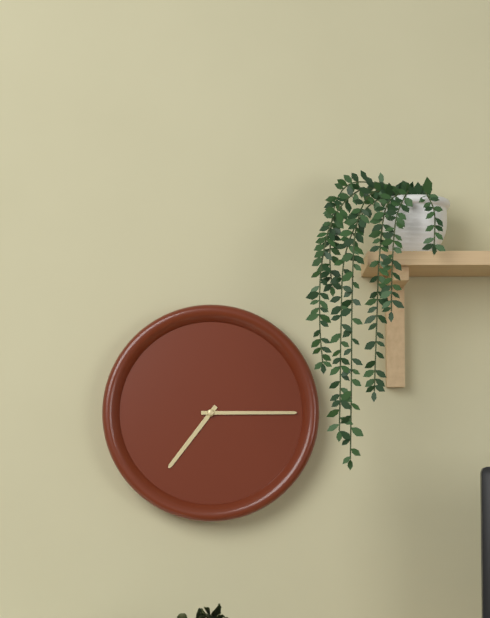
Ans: 7:15
